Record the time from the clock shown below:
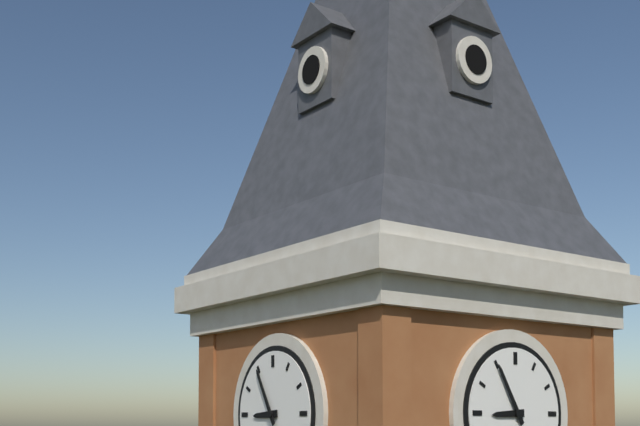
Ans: 8:55
